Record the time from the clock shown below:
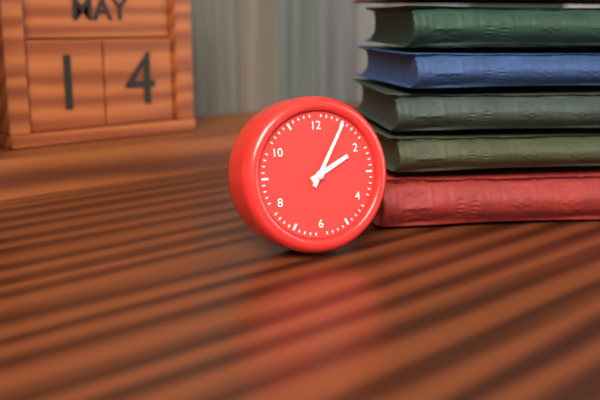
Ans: 2:05
